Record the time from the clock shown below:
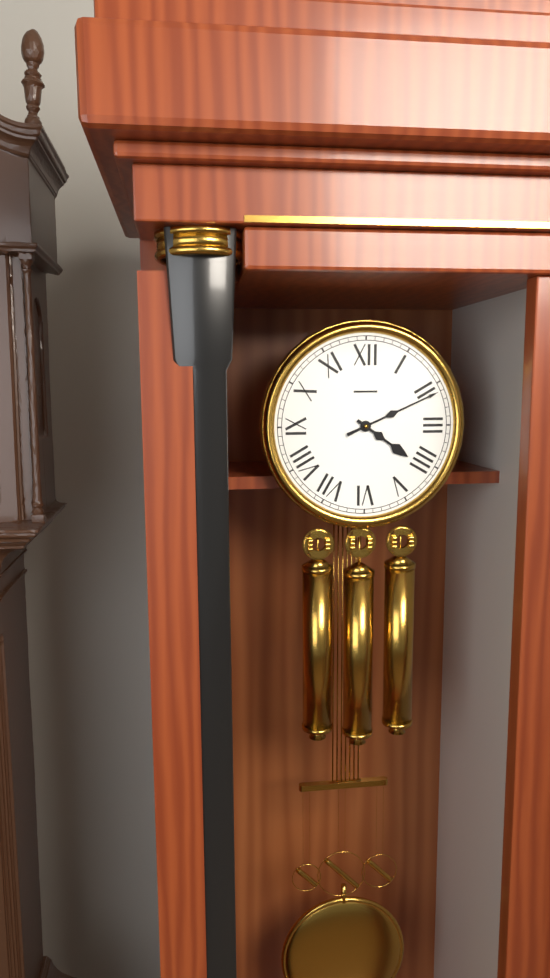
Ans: 4:11
